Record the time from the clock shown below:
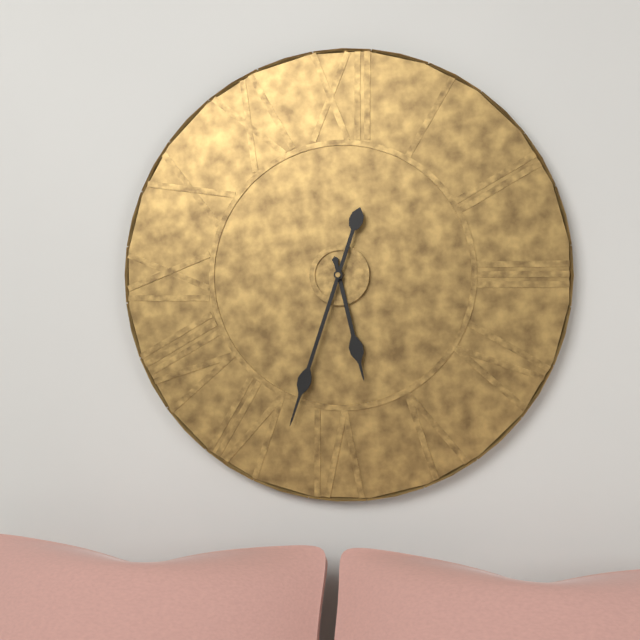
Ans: 5:33
